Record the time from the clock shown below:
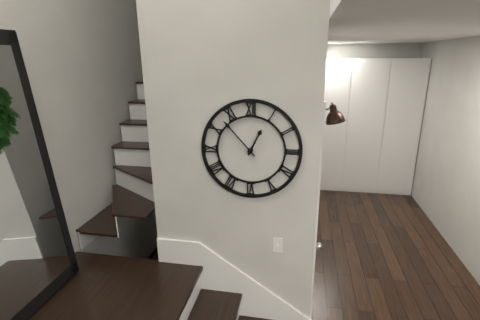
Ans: 12:53
